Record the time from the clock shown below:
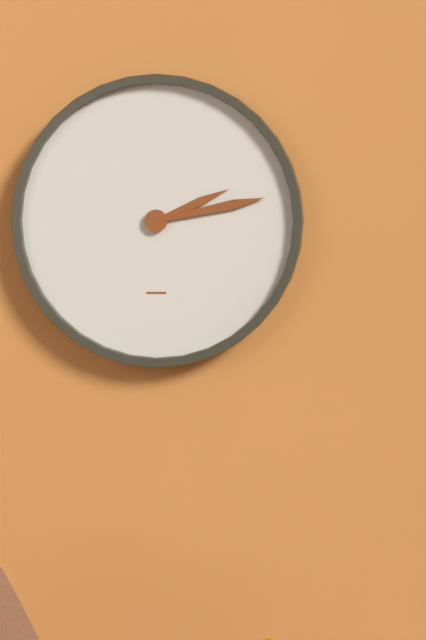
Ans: 2:13
